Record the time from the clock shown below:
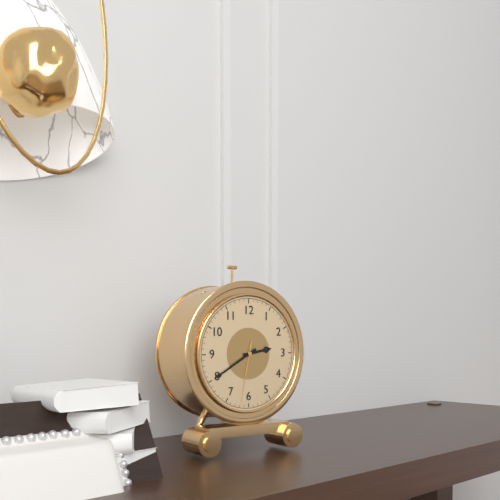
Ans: 2:40:32
